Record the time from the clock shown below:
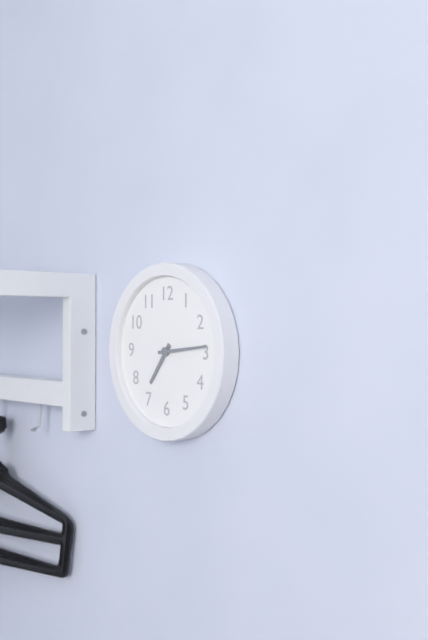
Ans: 7:14
